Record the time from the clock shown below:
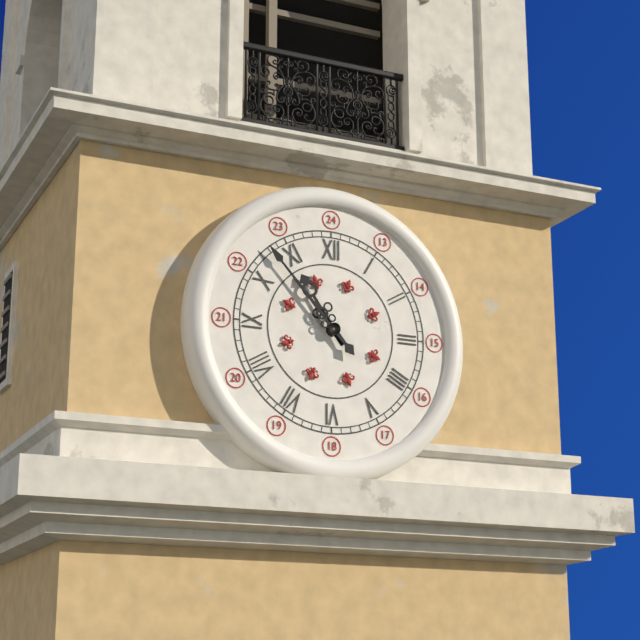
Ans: 10:53
